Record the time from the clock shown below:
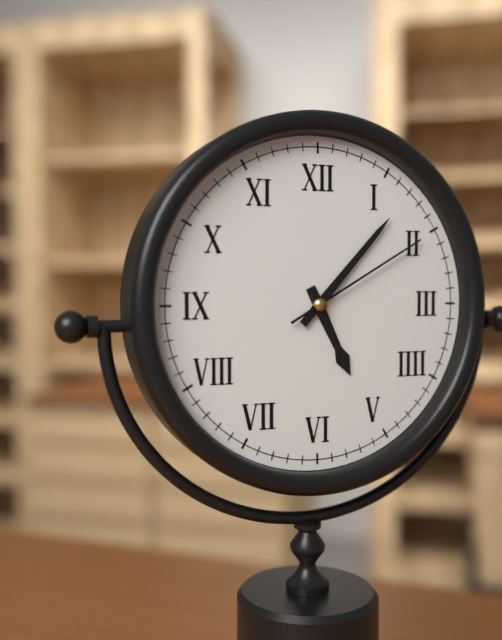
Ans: 5:07:10
